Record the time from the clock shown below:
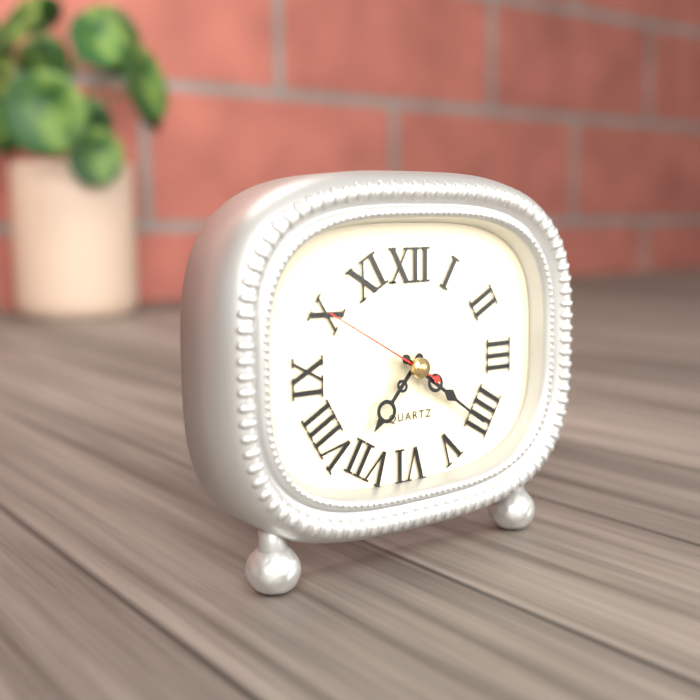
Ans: 7:21:50
